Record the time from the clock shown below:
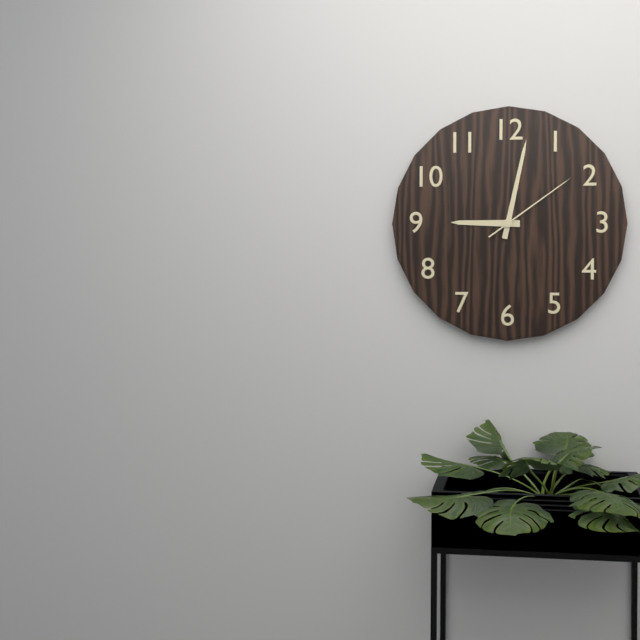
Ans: 9:02:09
